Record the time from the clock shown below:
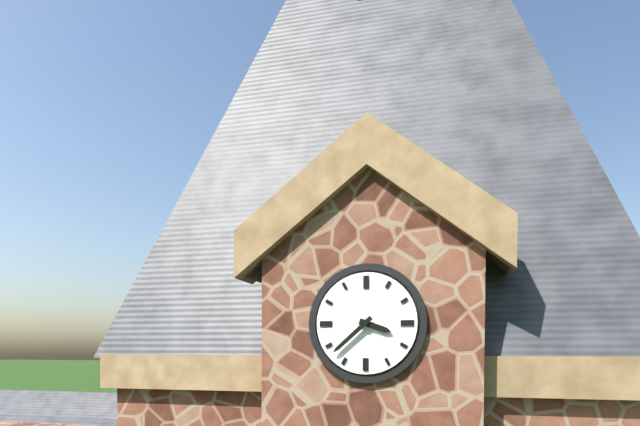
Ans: 3:38
